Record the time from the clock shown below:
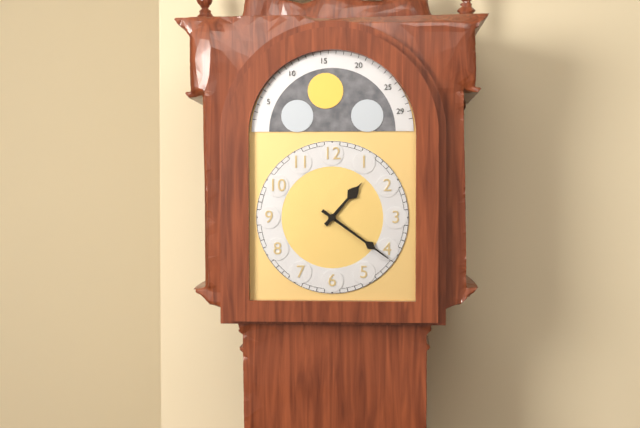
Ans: 1:21
